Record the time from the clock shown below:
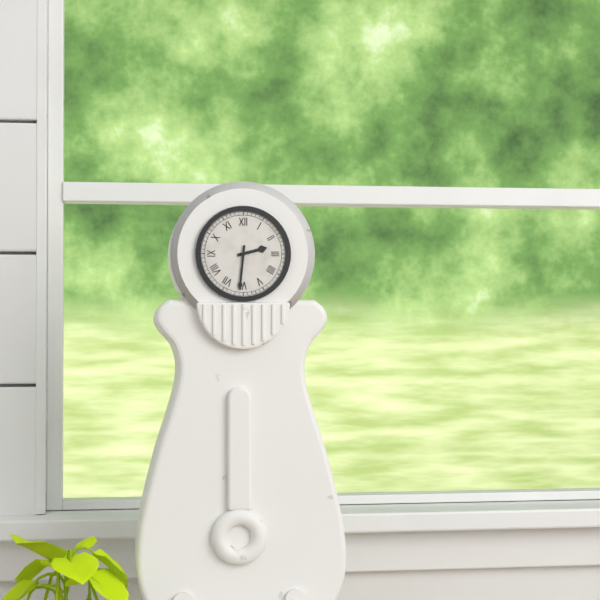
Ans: 2:31
